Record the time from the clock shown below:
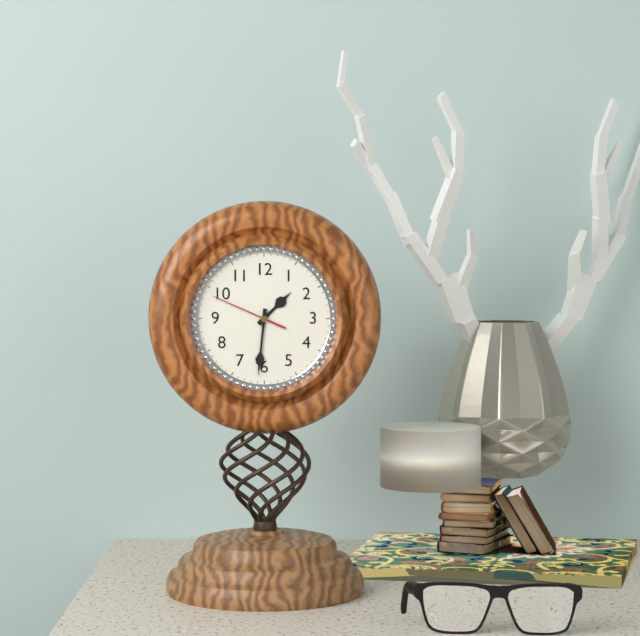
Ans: 1:31:49
